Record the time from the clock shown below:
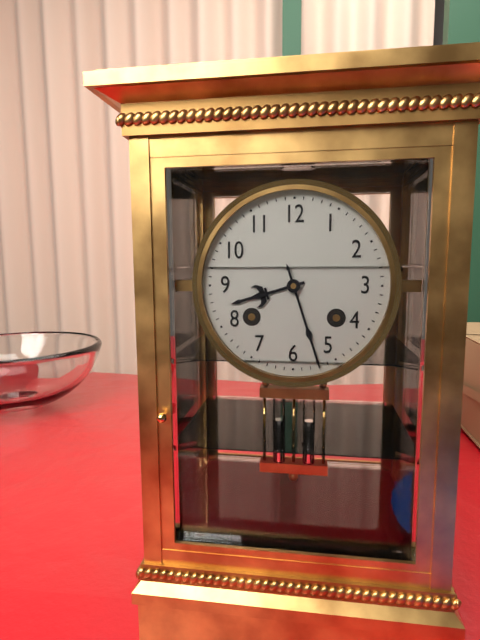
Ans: 8:27
